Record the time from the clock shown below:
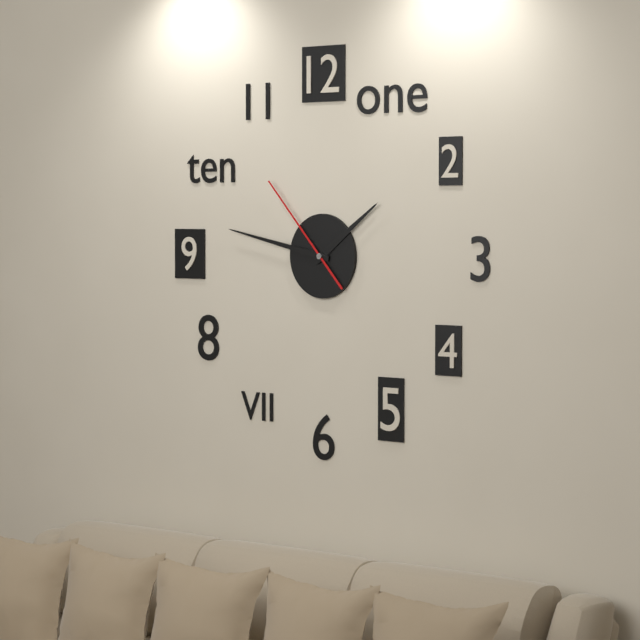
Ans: 1:47:53
